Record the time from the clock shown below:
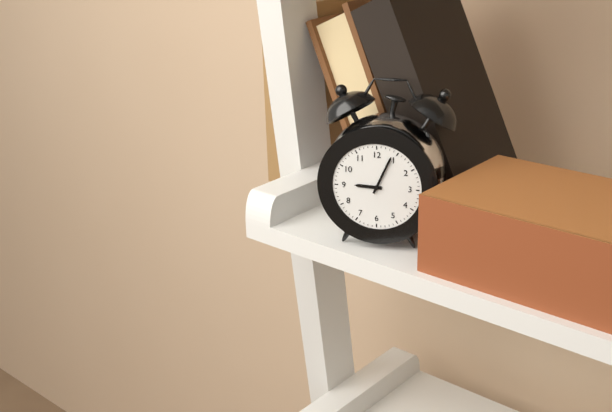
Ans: 9:04
